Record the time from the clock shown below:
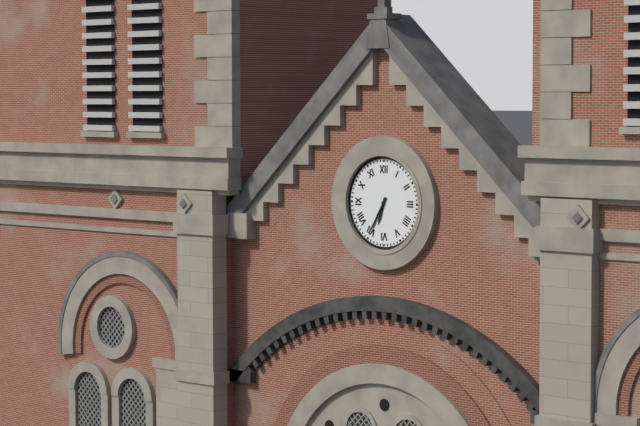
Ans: 6:35
